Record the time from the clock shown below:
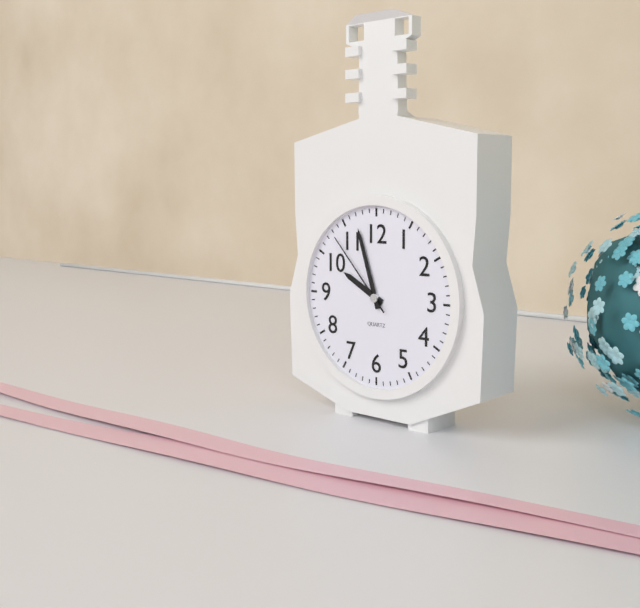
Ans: 9:57:53
